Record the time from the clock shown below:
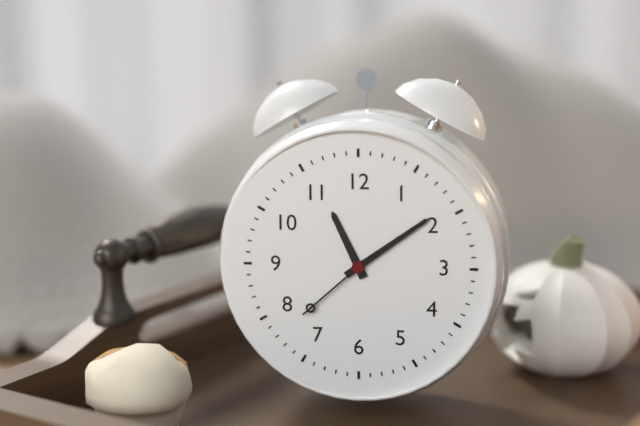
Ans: 11:09:38
